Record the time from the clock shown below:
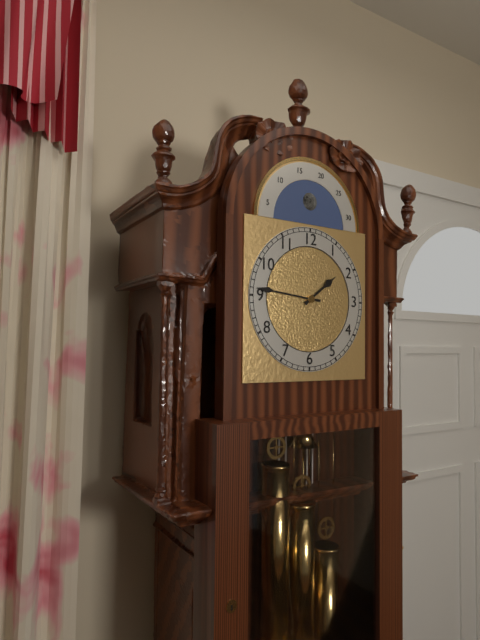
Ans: 1:46
